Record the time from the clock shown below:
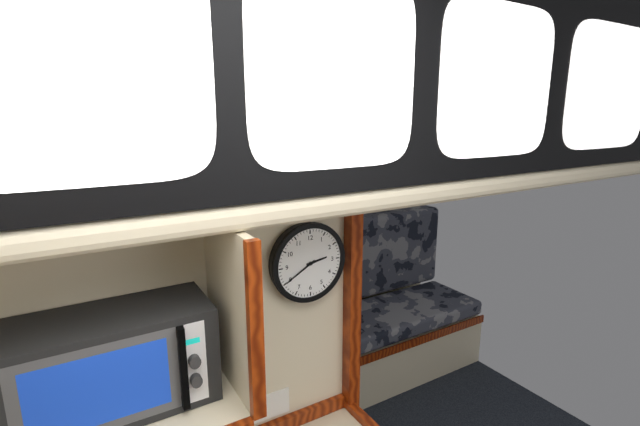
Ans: 2:40
